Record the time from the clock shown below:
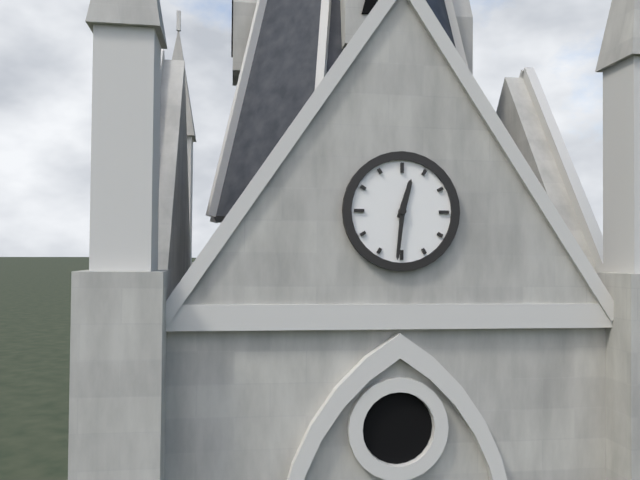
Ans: 12:31
